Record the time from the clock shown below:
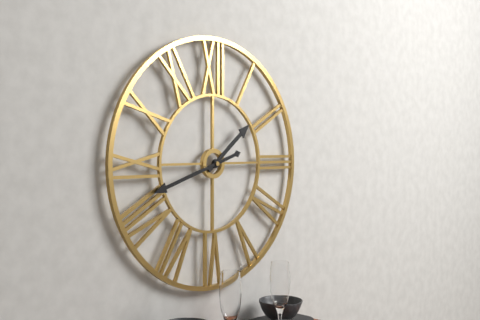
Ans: 1:42
